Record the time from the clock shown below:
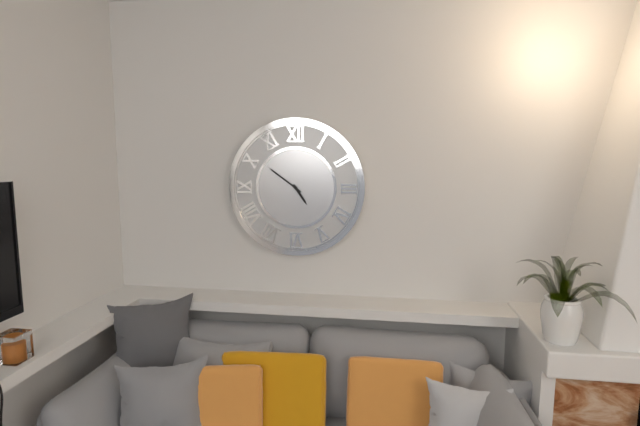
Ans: 4:51
